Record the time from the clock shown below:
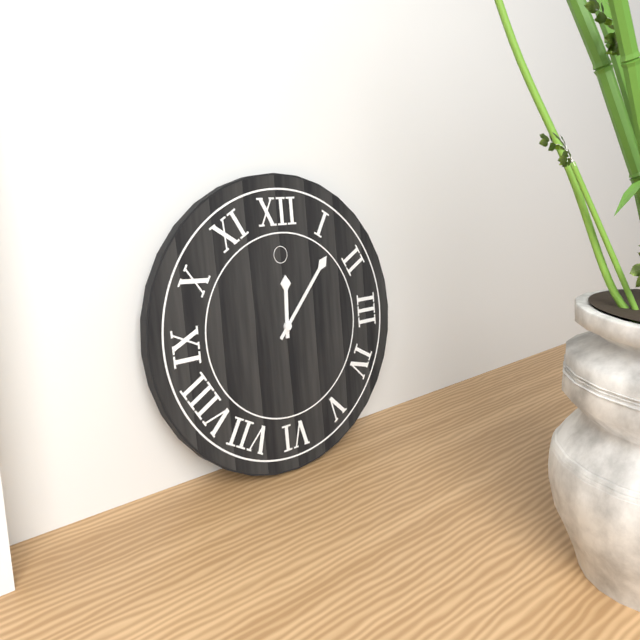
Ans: 12:07
